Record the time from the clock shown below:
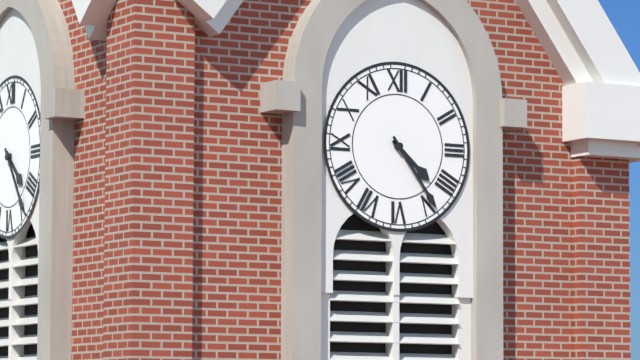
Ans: 4:24
